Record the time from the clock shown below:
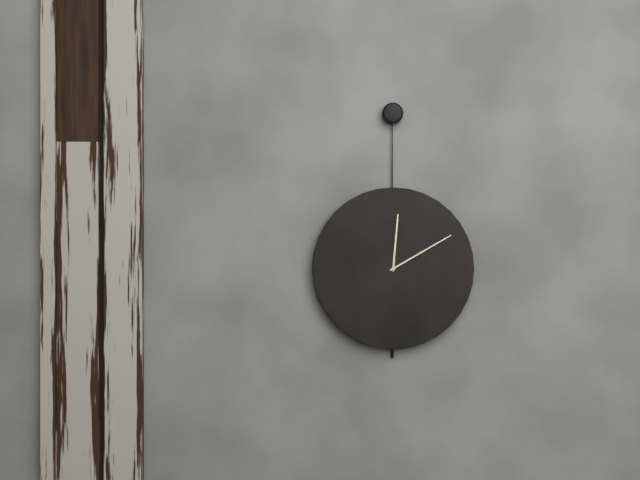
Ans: 12:10
